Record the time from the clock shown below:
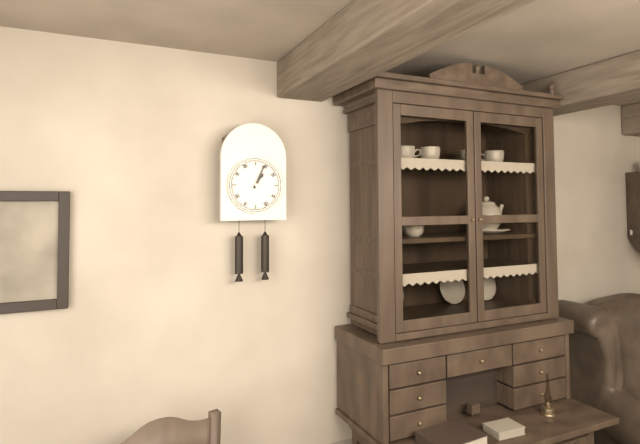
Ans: 1:04
